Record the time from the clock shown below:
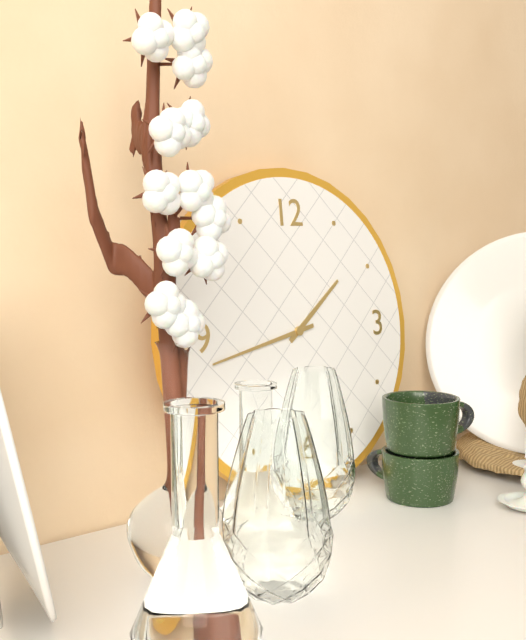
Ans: 1:43
